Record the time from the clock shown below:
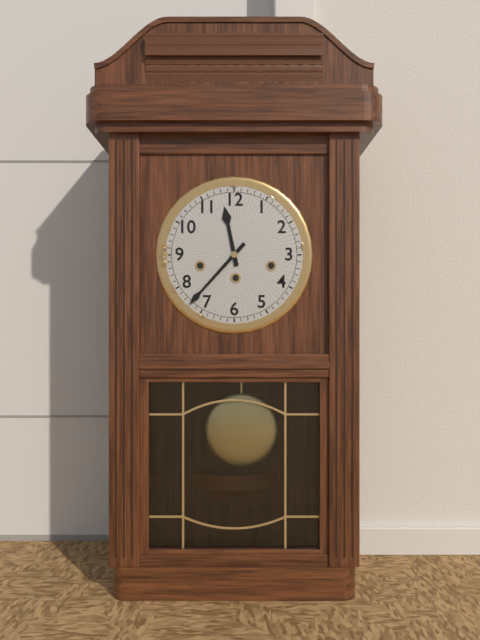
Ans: 11:37
